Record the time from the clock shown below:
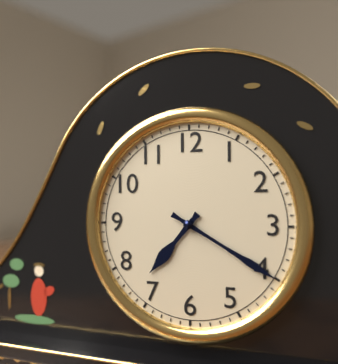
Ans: 7:20
